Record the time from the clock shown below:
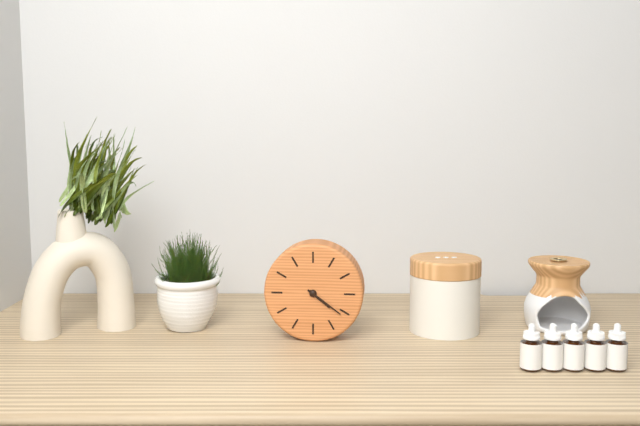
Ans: 4:21
